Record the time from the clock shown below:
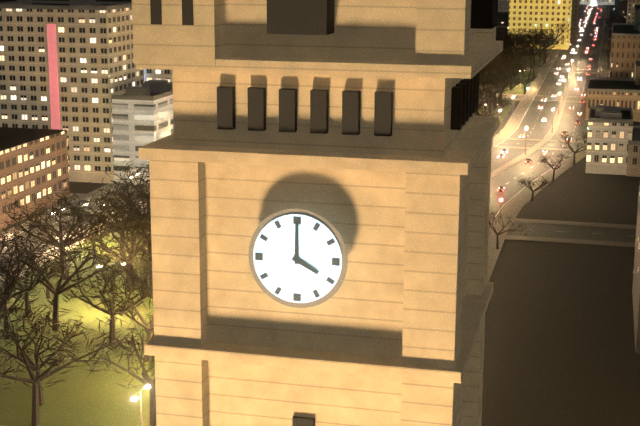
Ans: 4:00
